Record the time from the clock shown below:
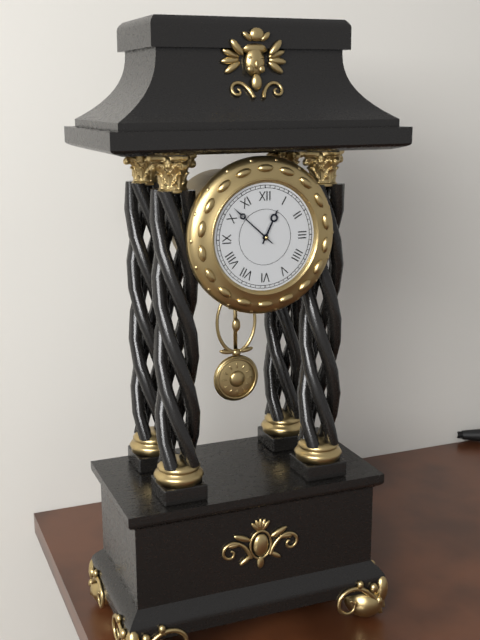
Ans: 12:52
